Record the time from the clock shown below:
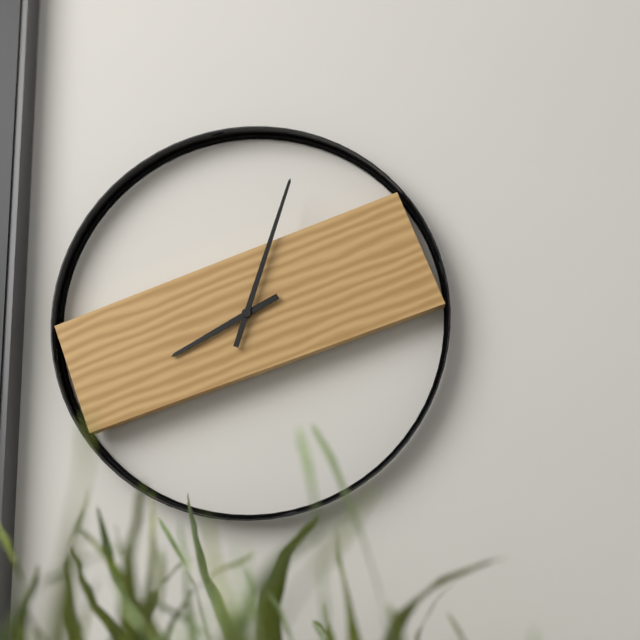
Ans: 8:03
